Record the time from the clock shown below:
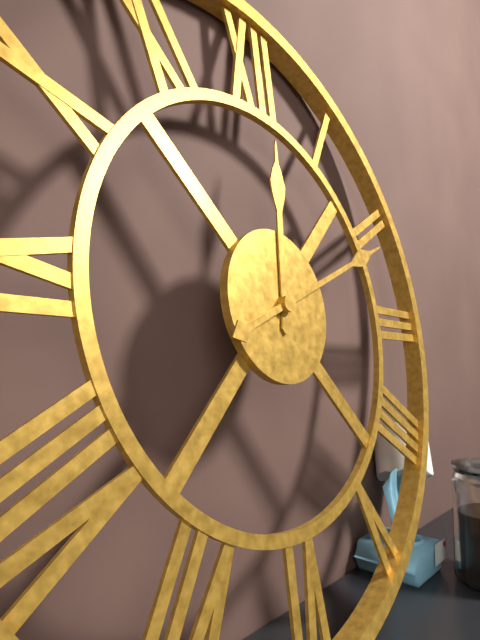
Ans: 12:11
